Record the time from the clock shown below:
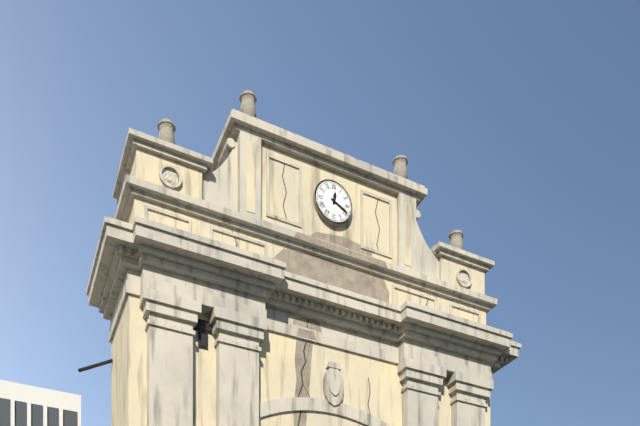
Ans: 12:19
